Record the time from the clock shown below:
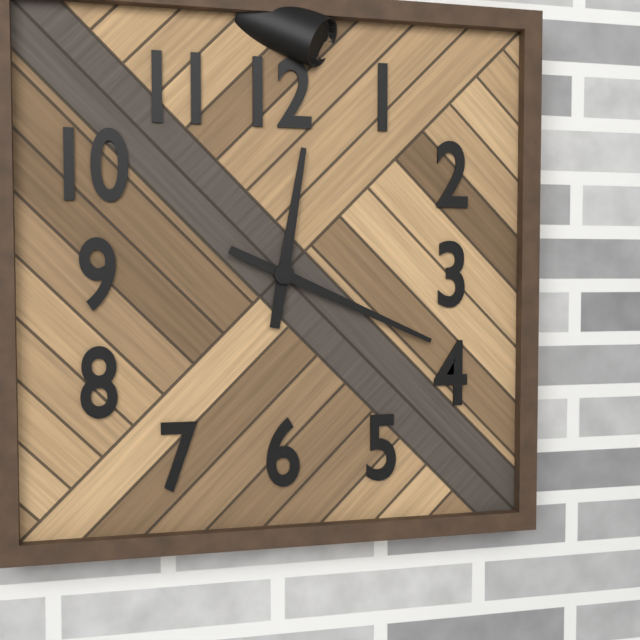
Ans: 12:19
